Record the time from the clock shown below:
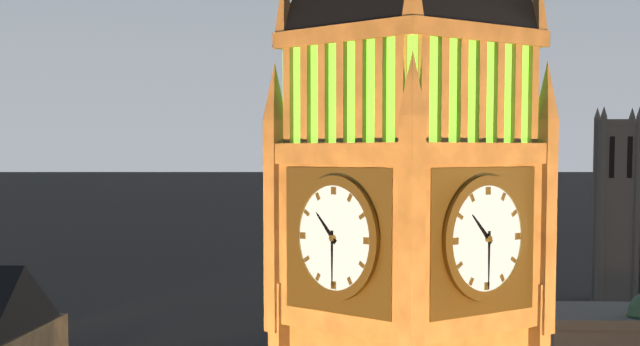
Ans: 10:30
